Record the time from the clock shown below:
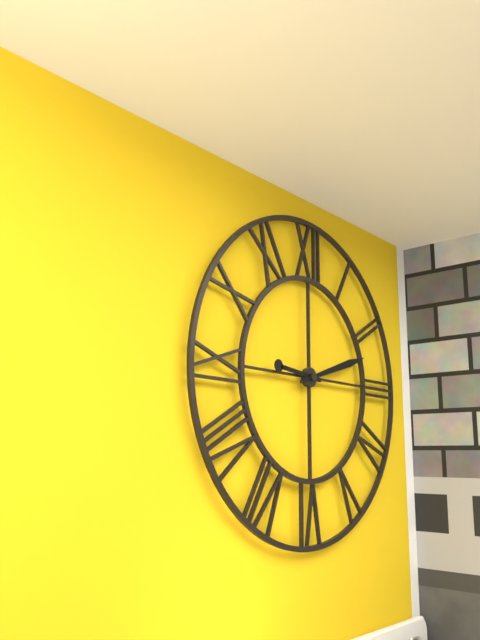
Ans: 9:12
